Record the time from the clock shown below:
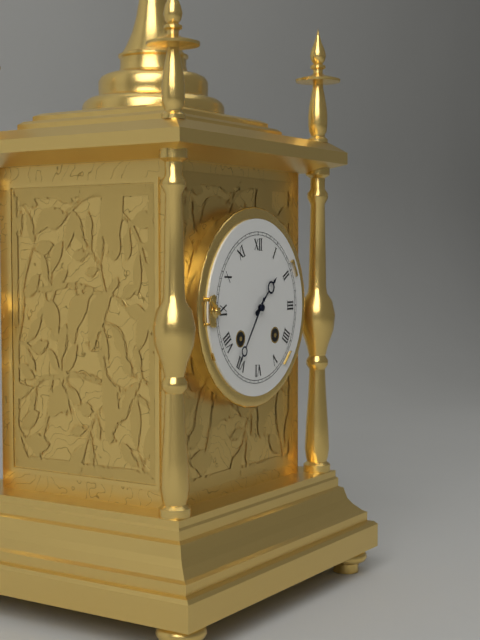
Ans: 1:36
